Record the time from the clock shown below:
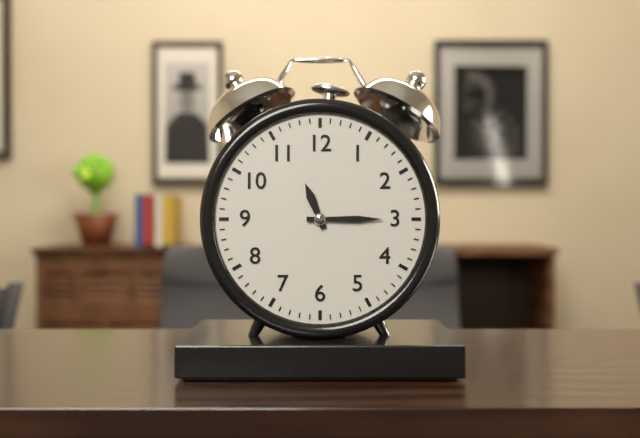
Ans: 11:15
